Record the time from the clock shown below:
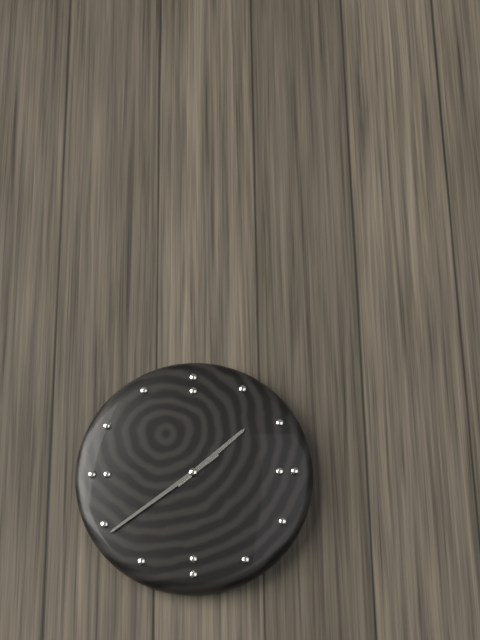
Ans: 1:39
